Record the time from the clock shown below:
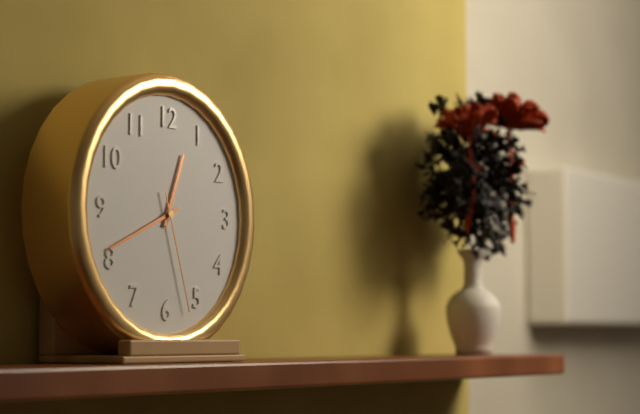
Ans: 12:41:27
